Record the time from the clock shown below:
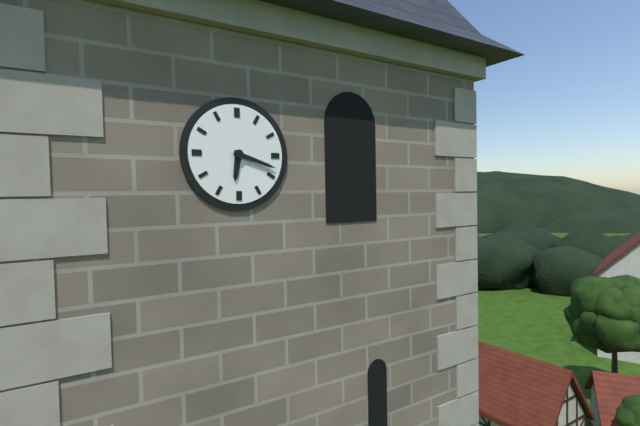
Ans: 6:18
